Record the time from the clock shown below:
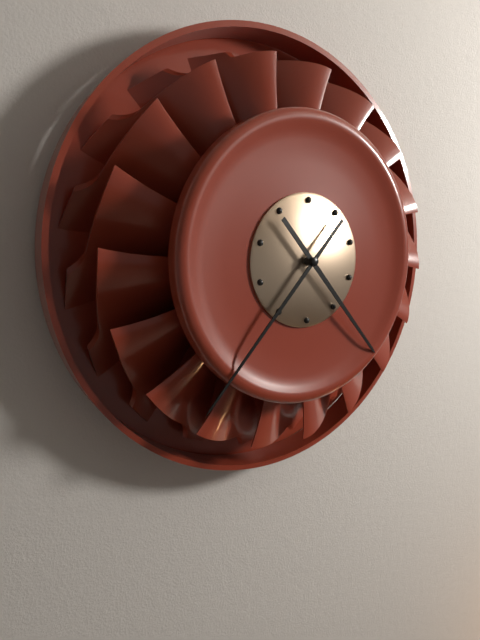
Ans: 4:37
